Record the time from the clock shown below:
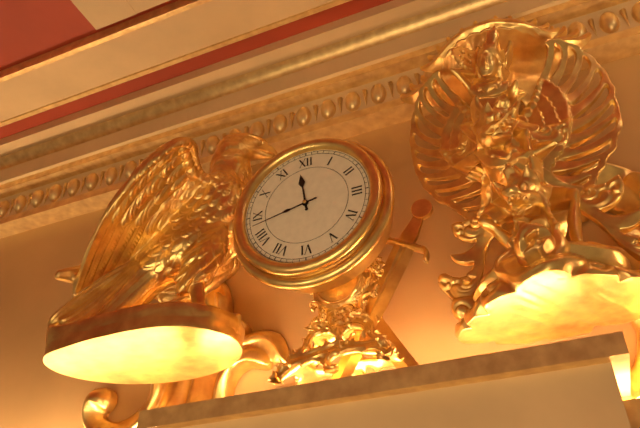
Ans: 11:43
